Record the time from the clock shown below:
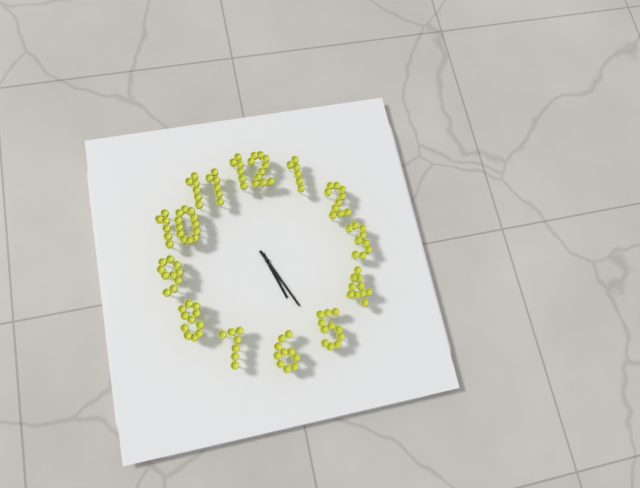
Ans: 5:26
